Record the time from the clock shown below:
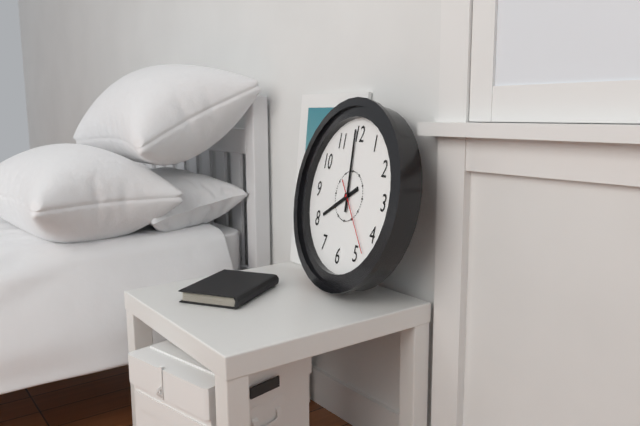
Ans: 7:59:23
